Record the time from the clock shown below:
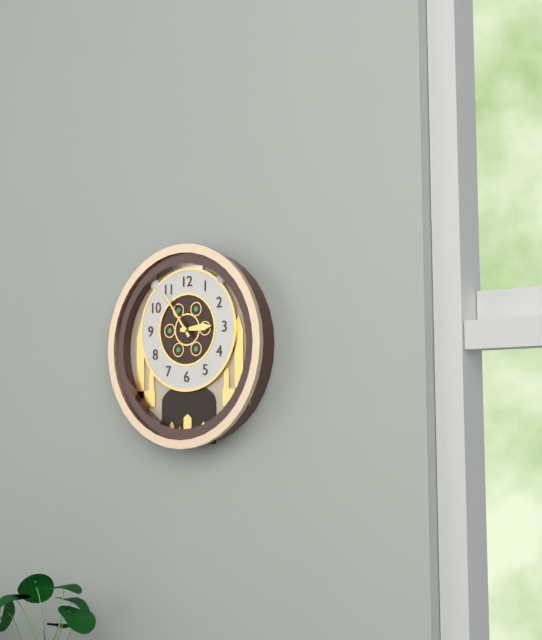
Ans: 2:54
